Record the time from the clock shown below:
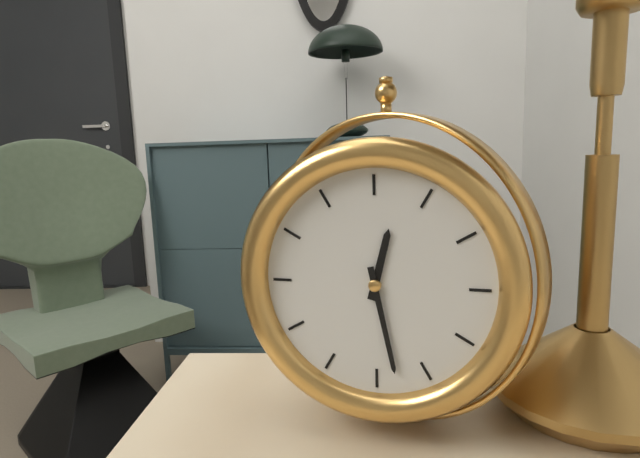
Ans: 12:28
